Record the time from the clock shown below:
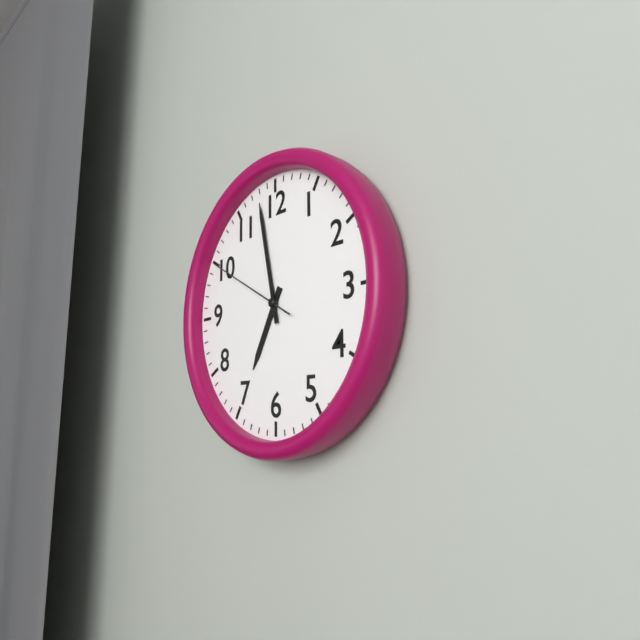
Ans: 6:58:50
